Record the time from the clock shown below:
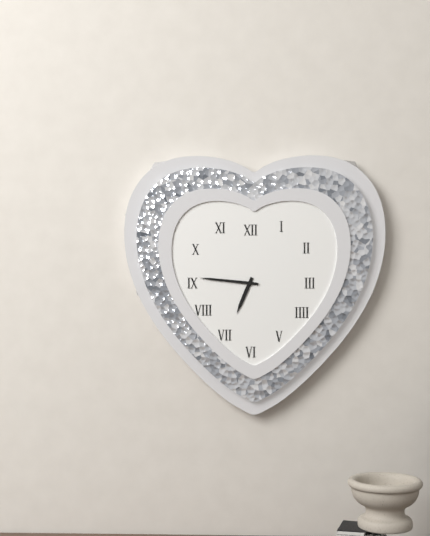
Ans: 6:46
